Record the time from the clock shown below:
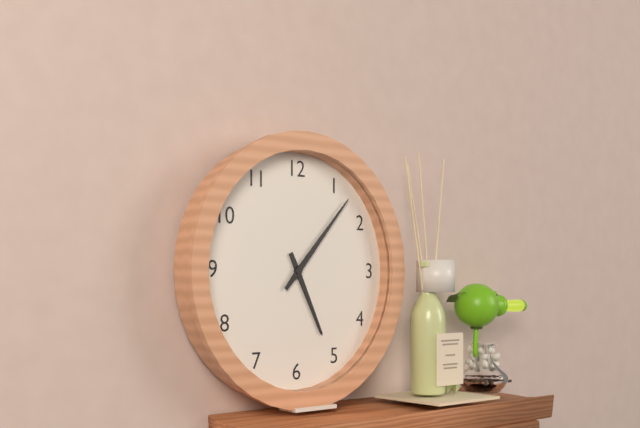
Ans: 5:07
